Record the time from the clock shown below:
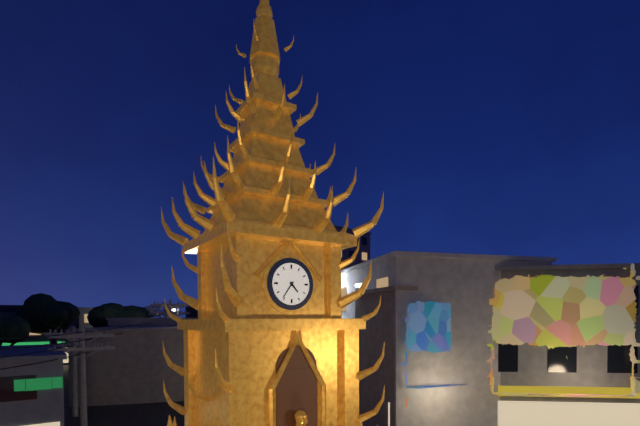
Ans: 4:36
